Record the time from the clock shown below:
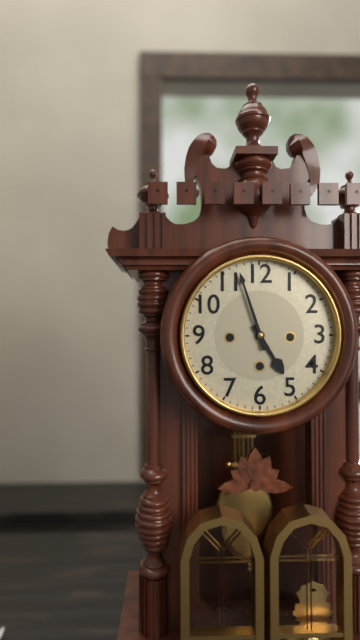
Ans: 4:57
